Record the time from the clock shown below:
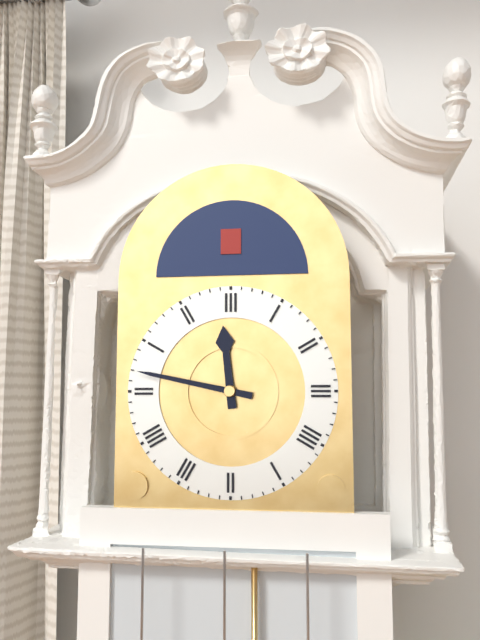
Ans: 11:47
